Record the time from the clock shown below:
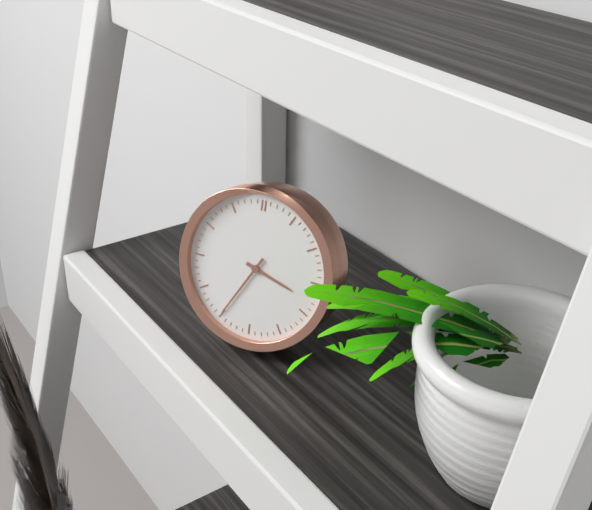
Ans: 3:35
